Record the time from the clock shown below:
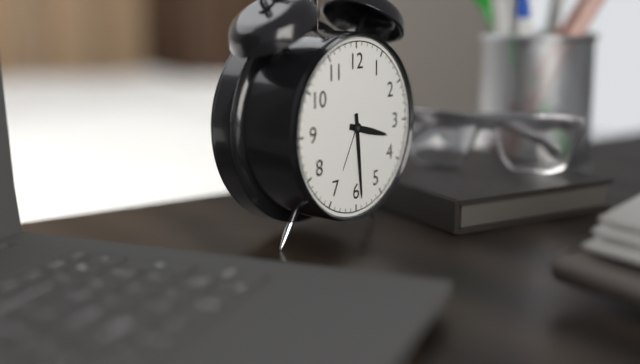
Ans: 3:29
